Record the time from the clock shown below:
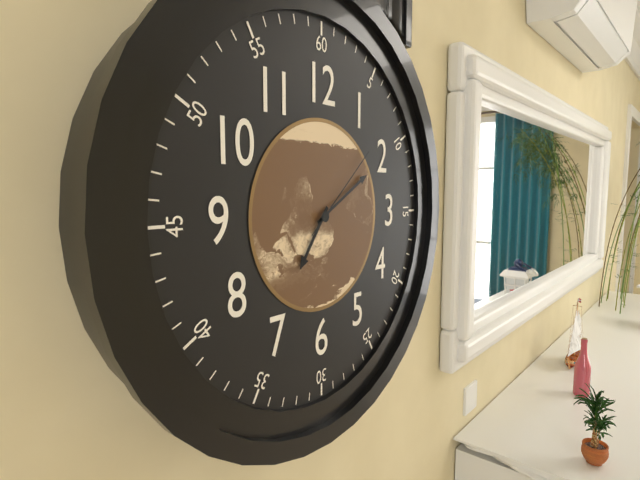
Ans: 7:10:08
